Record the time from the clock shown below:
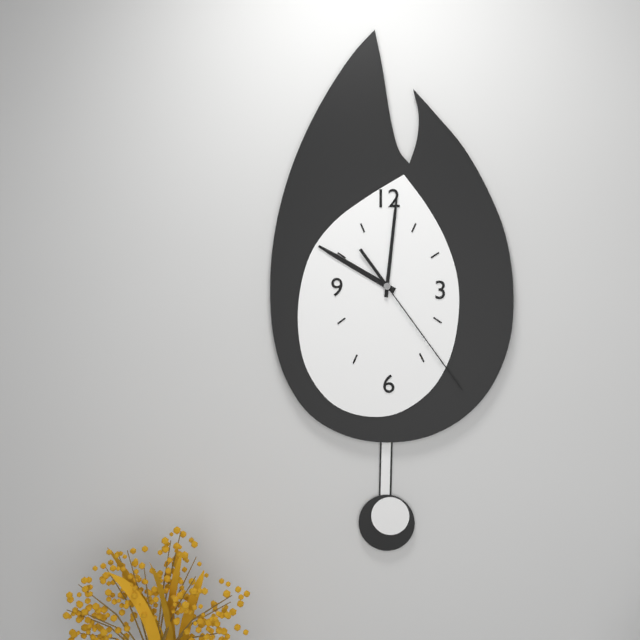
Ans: 10:01:24
